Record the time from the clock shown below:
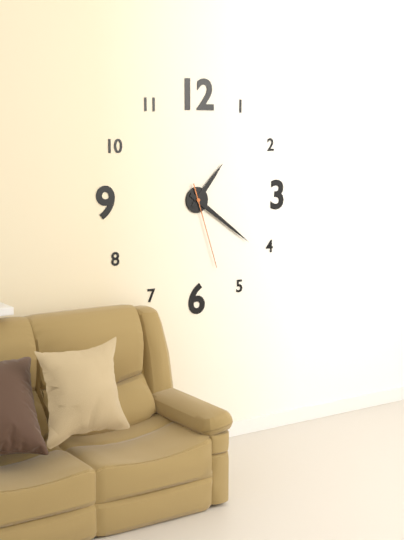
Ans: 1:21:27
